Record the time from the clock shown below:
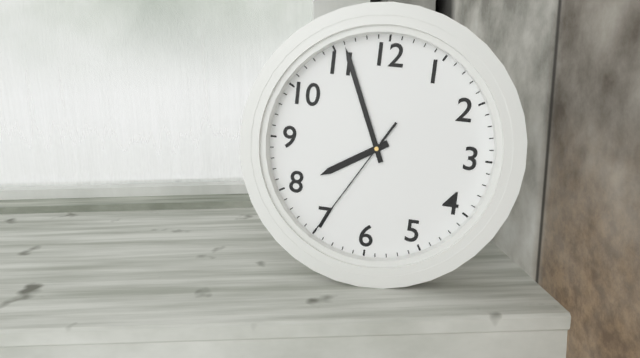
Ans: 7:56:35
